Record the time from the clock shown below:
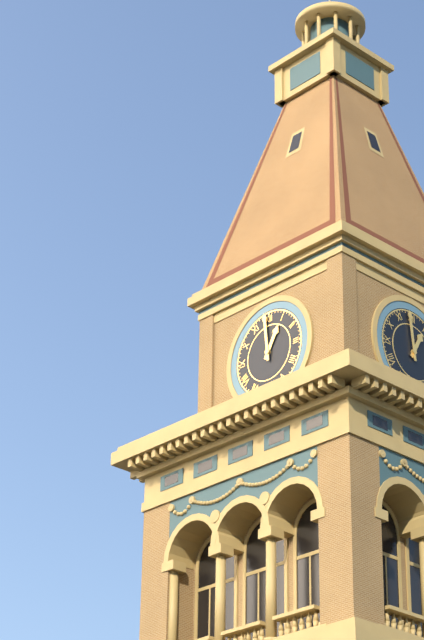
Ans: 12:59
